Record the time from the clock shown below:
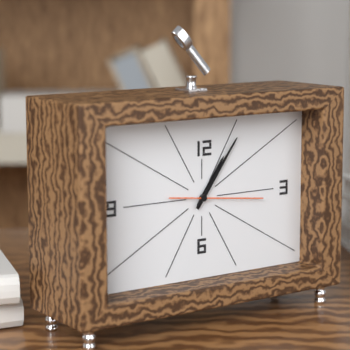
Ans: 1:06:16
